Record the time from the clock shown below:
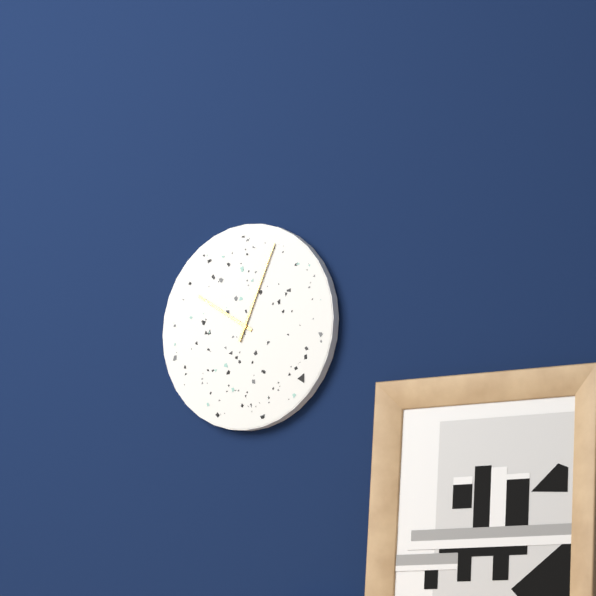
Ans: 10:04
